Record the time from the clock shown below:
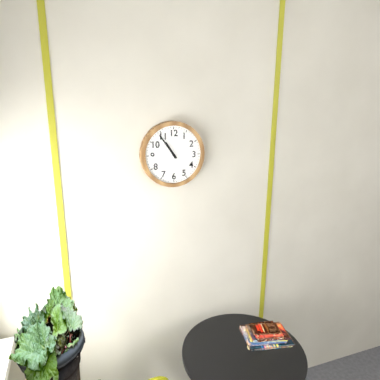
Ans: 10:54
